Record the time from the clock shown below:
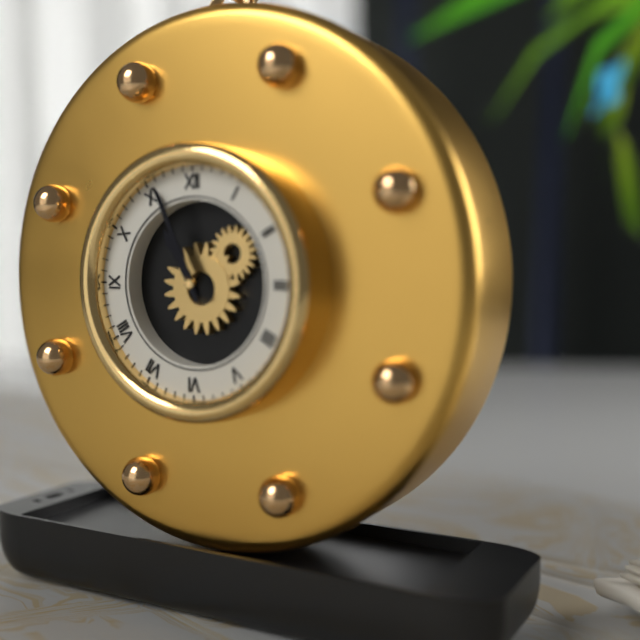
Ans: 10:56
